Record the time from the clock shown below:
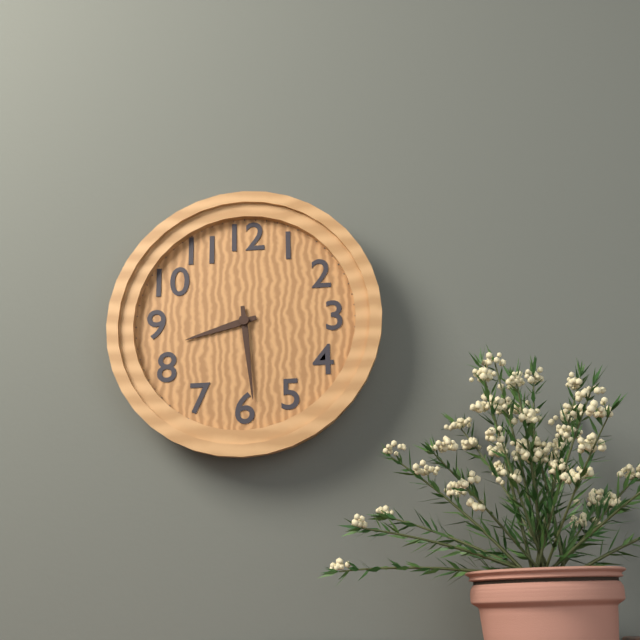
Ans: 8:29
